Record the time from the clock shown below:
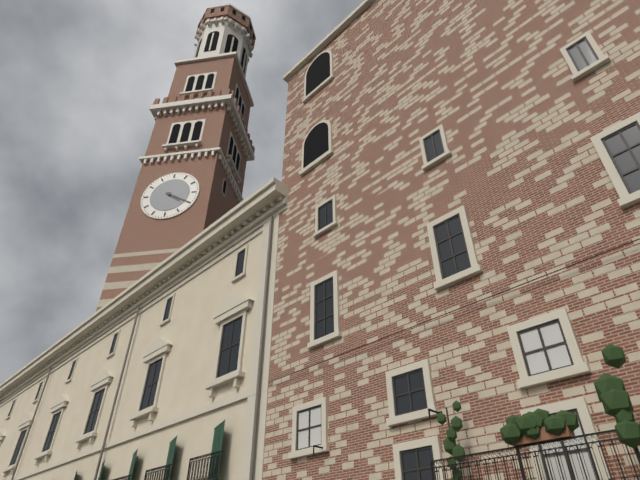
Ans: 4:20
